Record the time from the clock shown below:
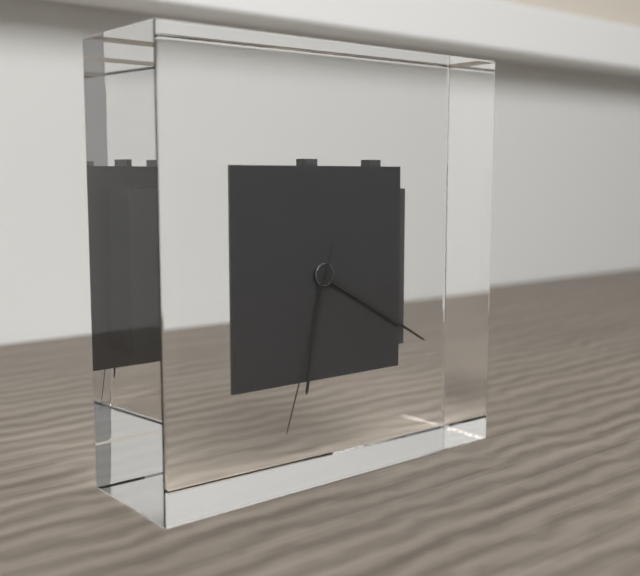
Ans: 6:20:33
